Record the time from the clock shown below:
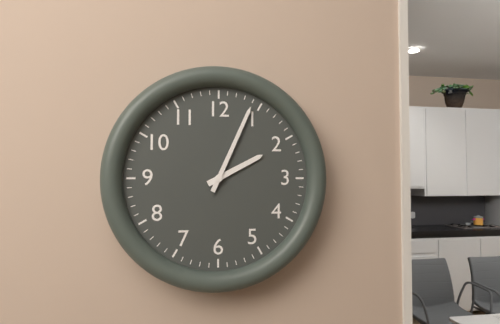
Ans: 2:04
